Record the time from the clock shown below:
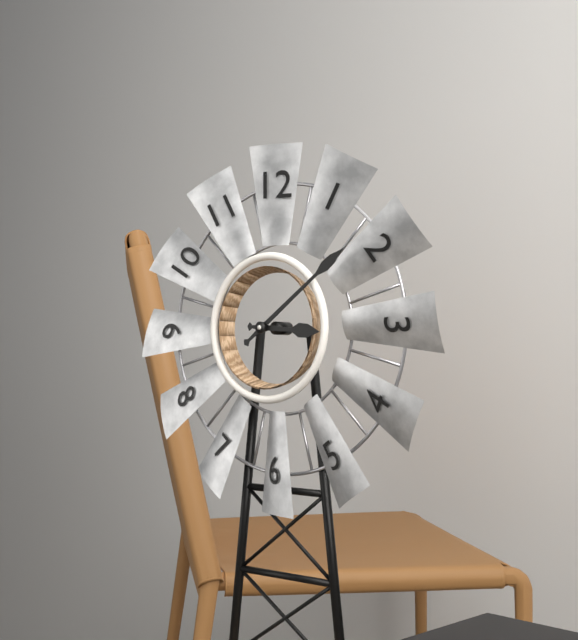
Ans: 3:09
